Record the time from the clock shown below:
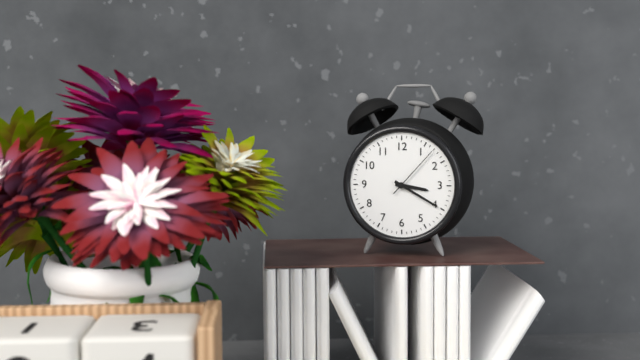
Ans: 3:20:07
